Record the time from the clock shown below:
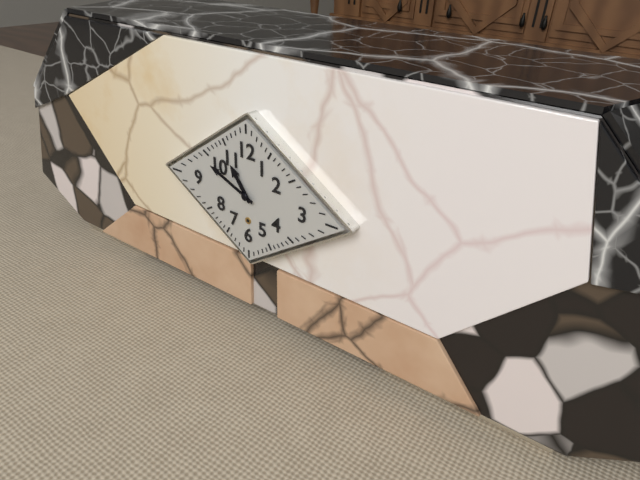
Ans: 10:49
